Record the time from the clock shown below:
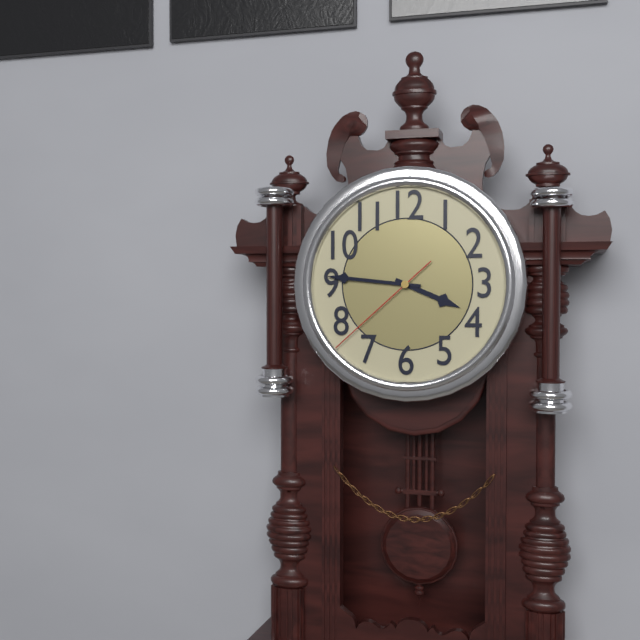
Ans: 3:46:38
